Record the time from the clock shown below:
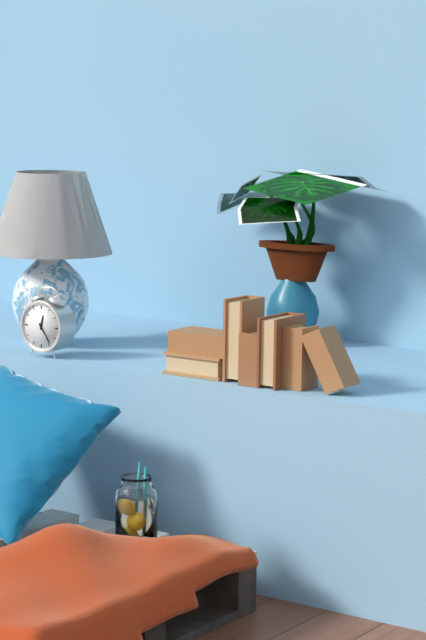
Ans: 12:24
